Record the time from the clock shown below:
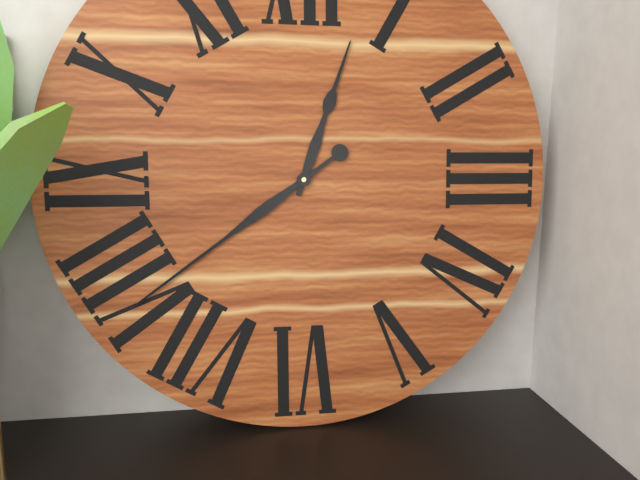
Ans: 12:39
